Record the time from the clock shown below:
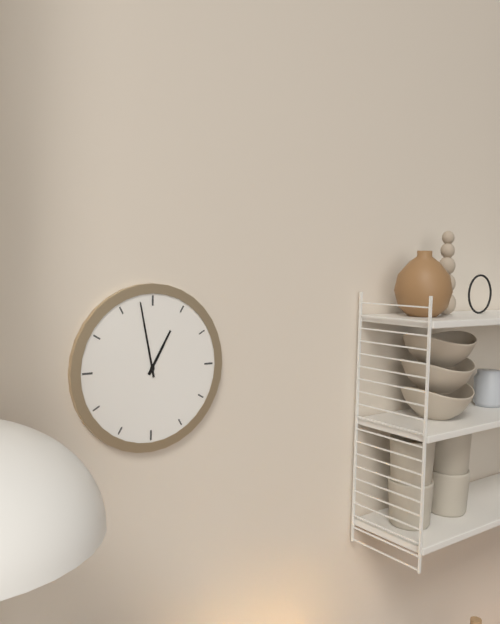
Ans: 12:58
